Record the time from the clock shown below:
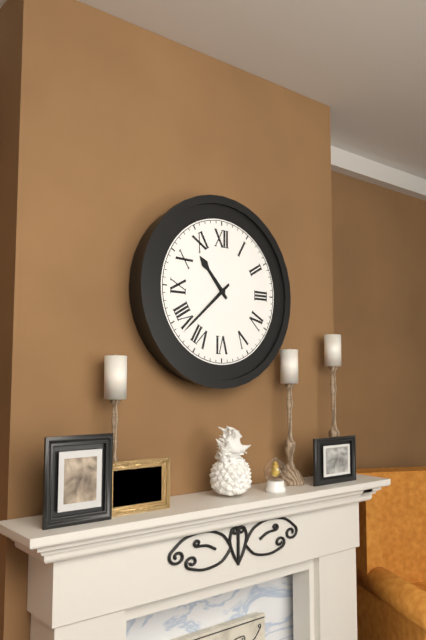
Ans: 10:38
